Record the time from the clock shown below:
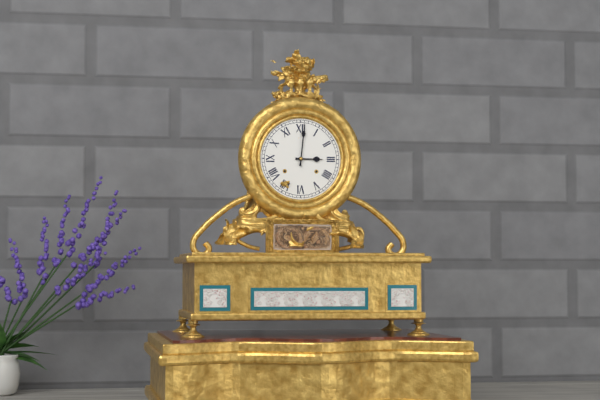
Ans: 3:01
